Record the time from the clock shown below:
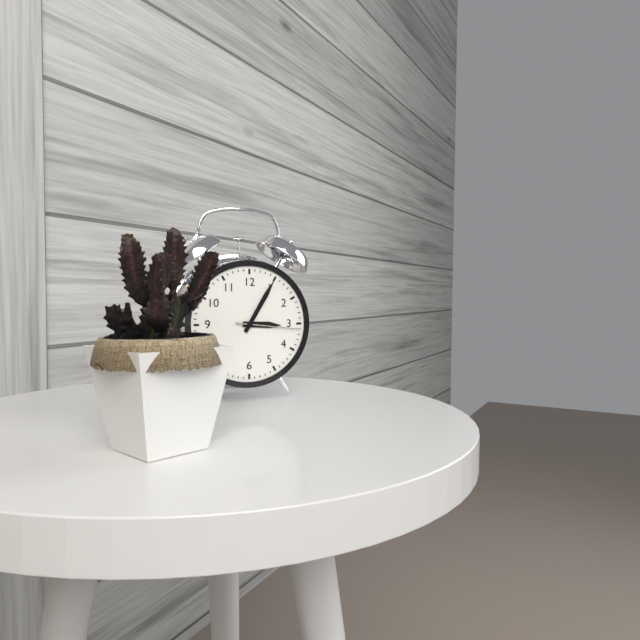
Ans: 3:05:16
